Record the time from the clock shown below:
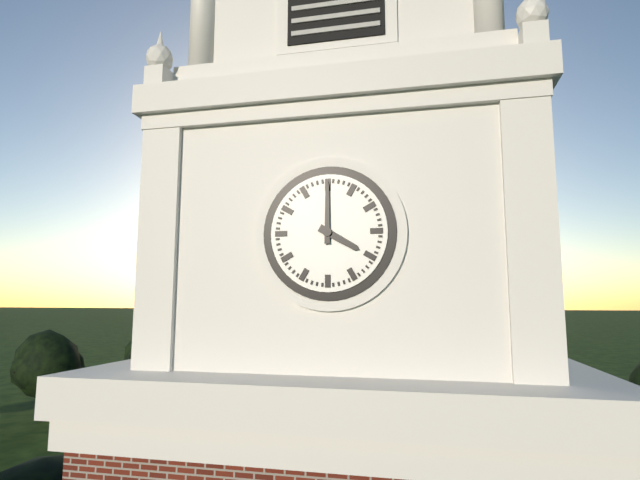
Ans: 4:00
